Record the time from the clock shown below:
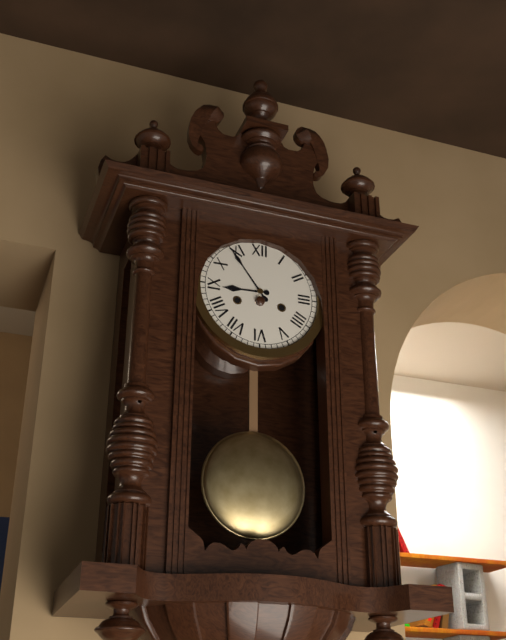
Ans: 8:54
